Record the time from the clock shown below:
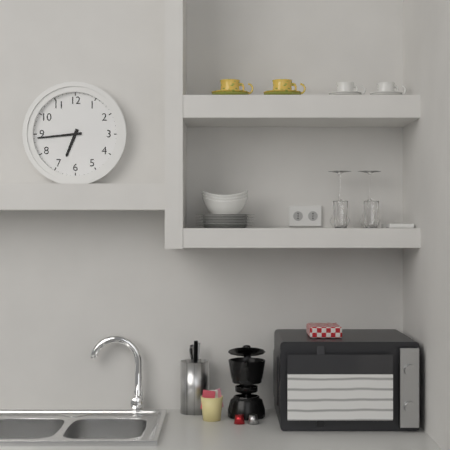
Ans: 6:44
